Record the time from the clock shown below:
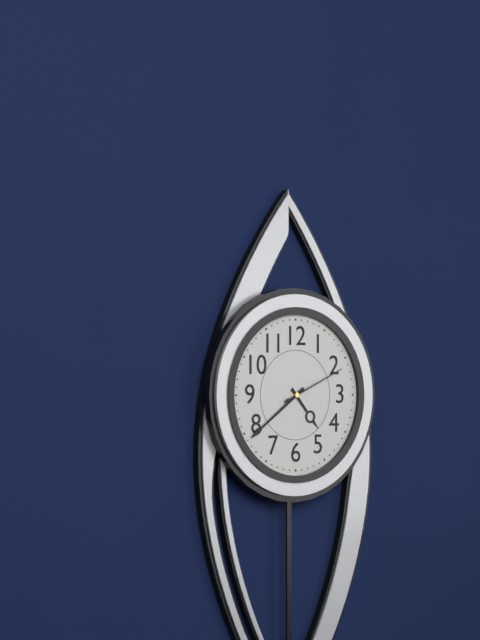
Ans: 4:39:11
